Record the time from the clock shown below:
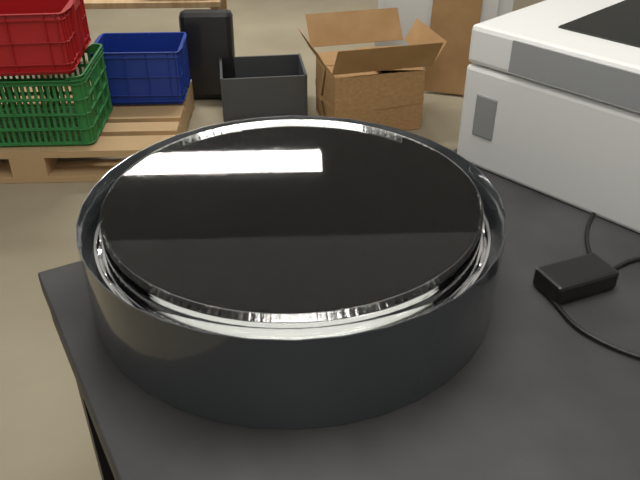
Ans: 6:11
